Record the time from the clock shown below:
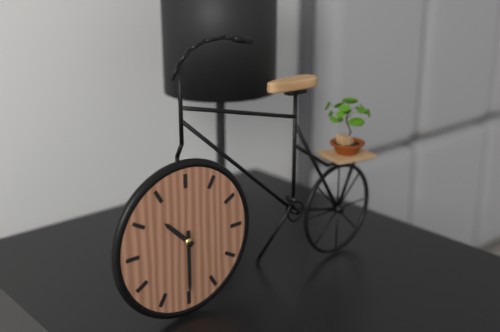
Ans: 10:30
